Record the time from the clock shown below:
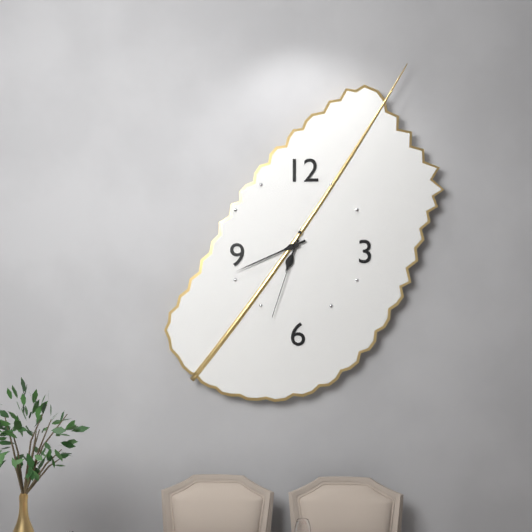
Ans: 6:41:33
